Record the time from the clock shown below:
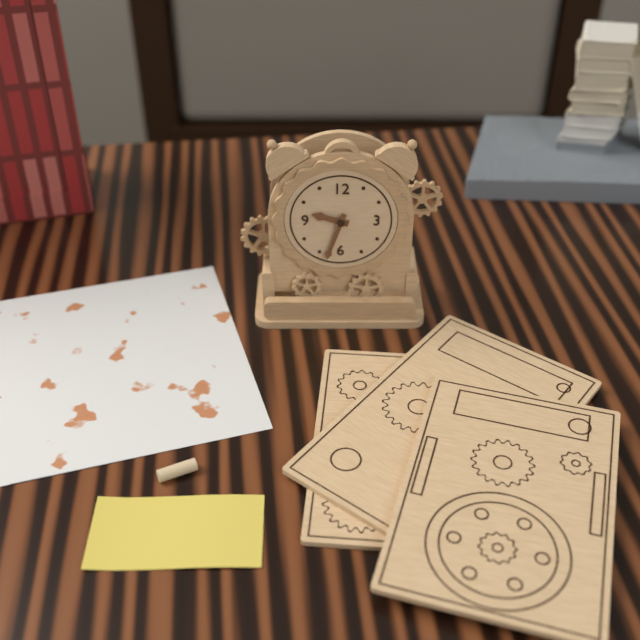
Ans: 9:33
